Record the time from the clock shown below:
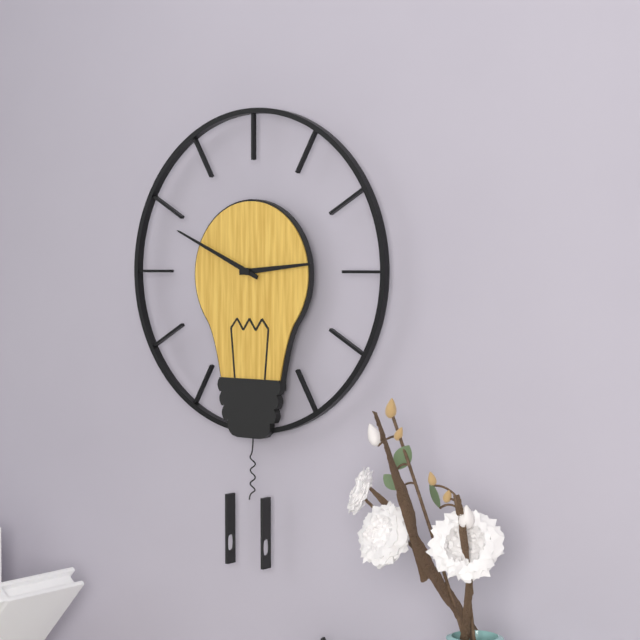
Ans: 2:49
